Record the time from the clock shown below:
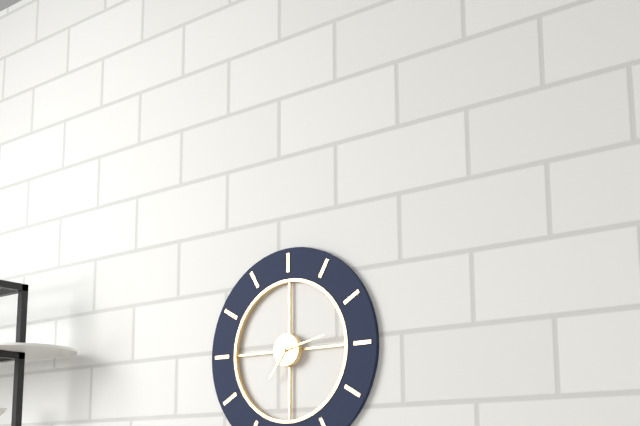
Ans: 7:13
